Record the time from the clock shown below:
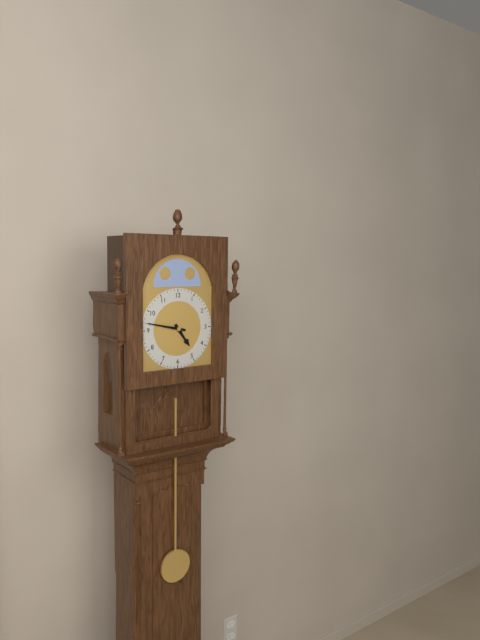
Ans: 4:47
